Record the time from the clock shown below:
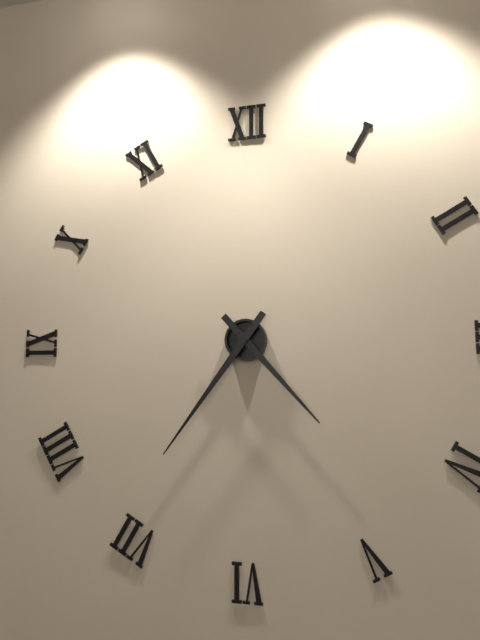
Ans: 4:36
